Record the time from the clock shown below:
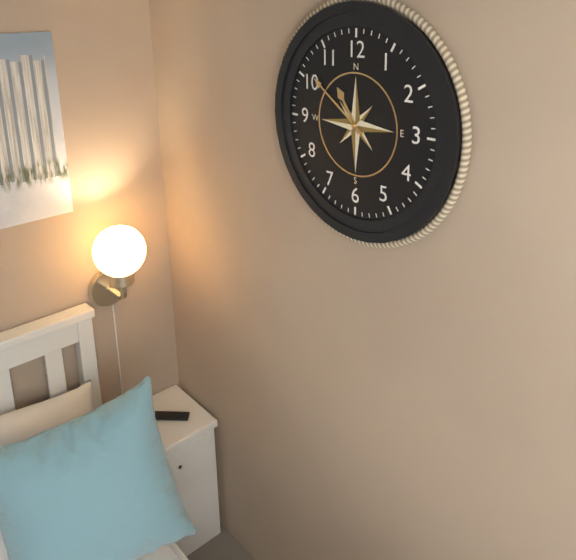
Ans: 10:51
